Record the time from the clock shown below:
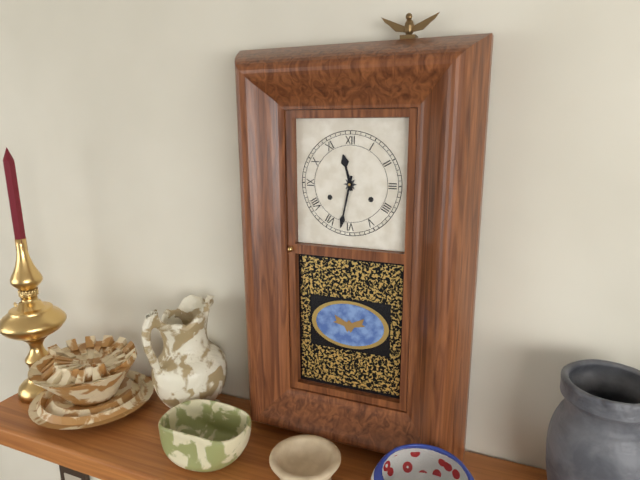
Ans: 11:32
